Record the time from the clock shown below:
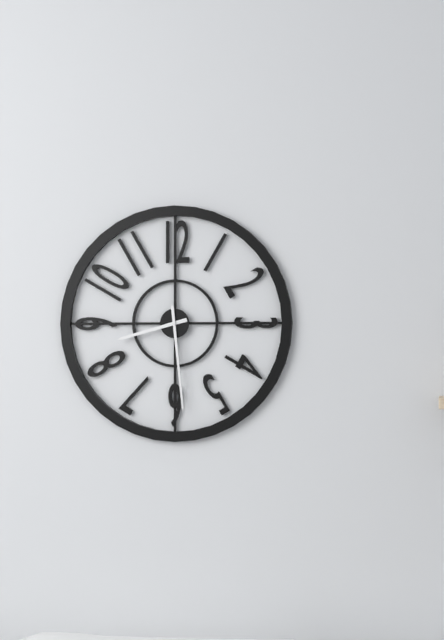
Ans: 8:29
